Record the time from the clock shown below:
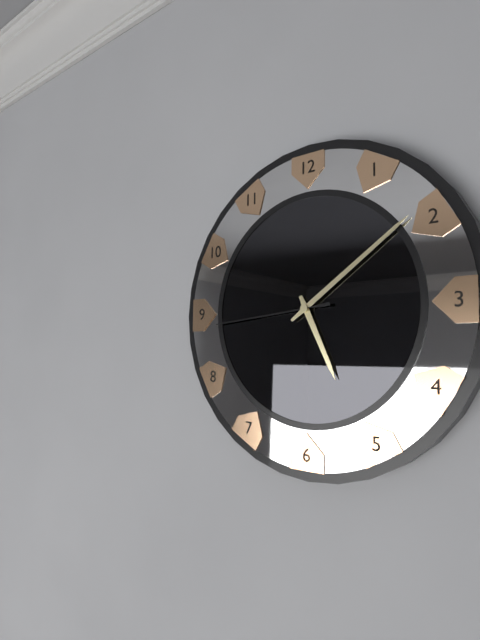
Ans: 5:09:44
